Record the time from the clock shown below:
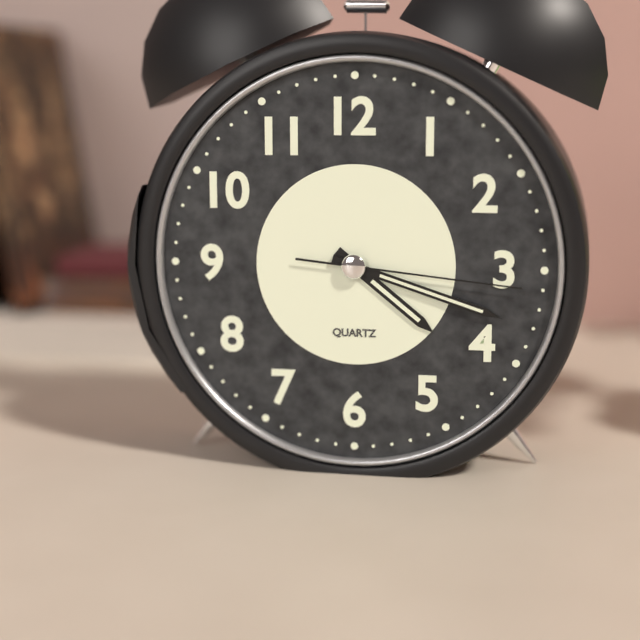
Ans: 4:18:16
